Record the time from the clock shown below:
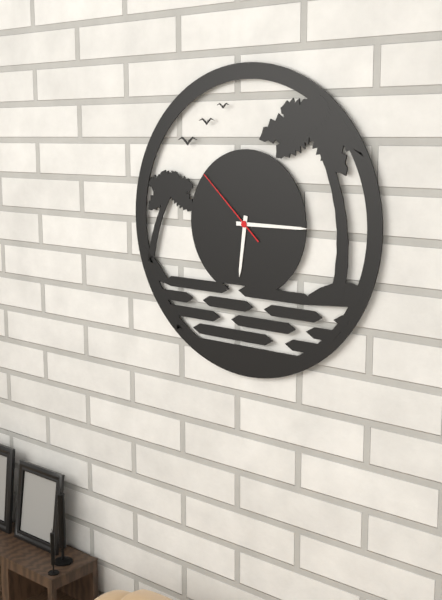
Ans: 6:15:52
